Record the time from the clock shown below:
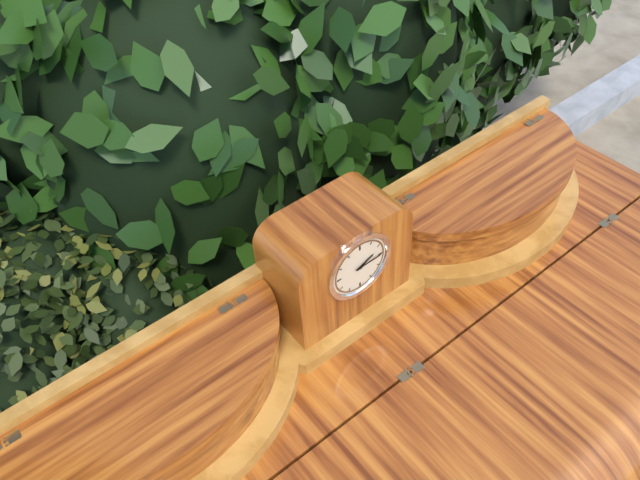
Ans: 2:15
